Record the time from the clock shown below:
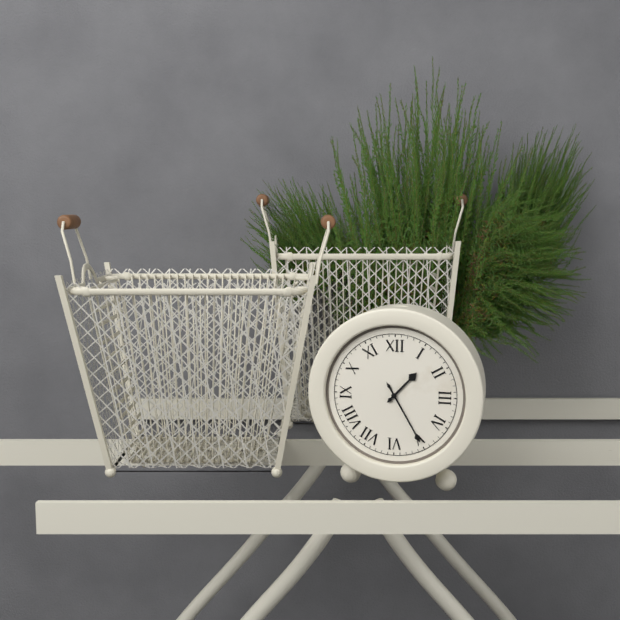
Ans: 1:25
